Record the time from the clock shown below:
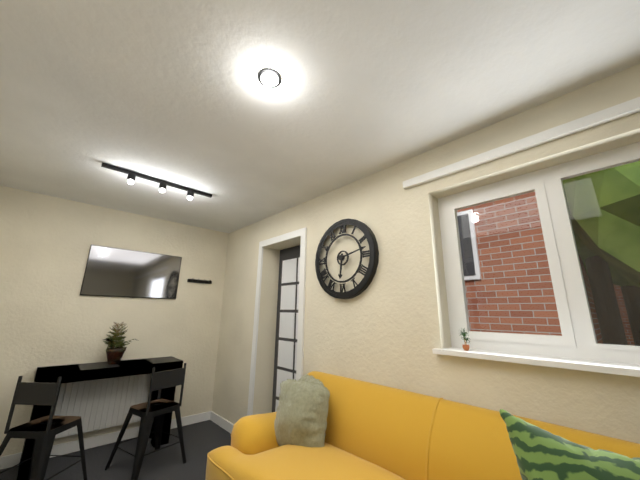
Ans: 6:13
